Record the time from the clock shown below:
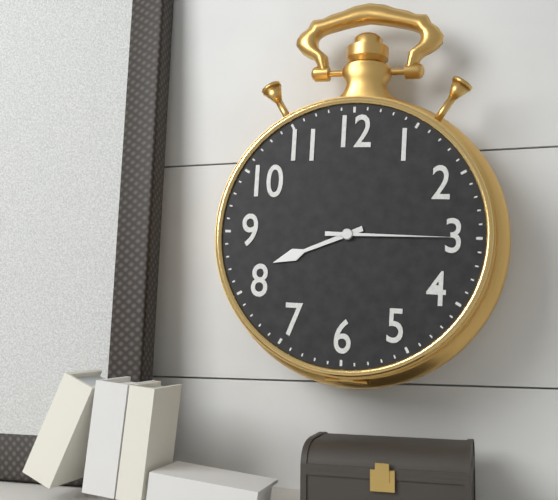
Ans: 8:15
